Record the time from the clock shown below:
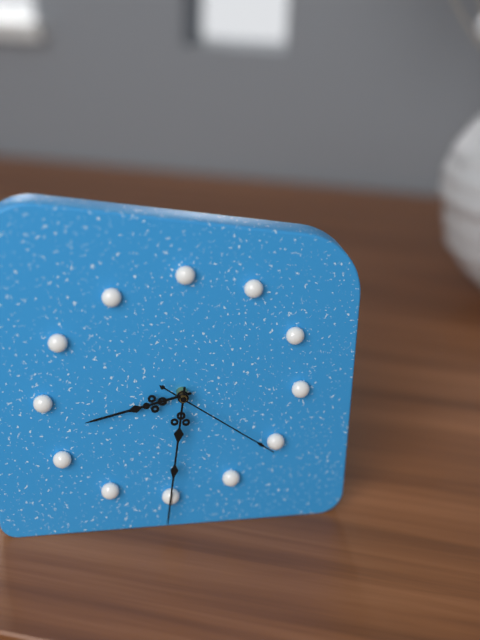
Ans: 8:31:21
